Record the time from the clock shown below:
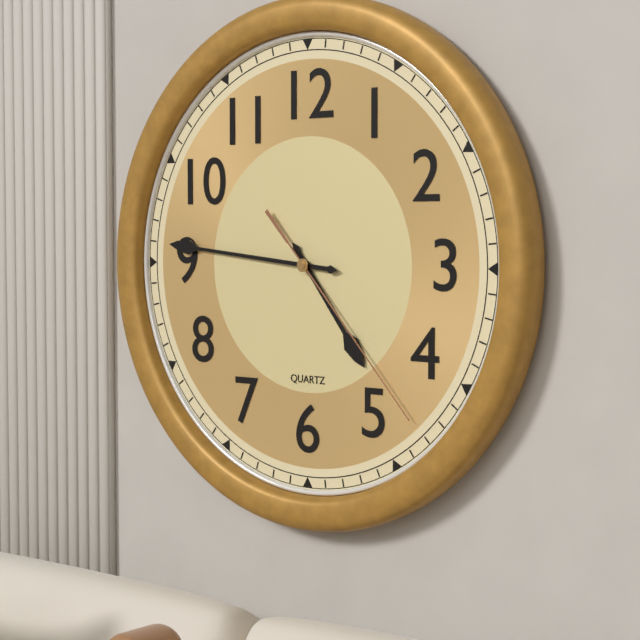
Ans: 4:46:23
